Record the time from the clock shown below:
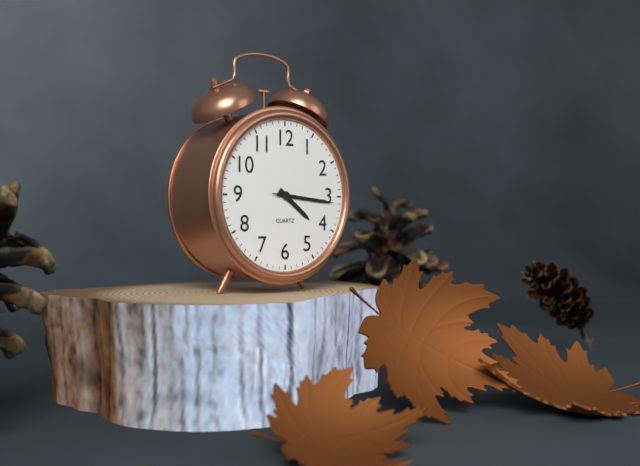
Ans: 4:16:16
